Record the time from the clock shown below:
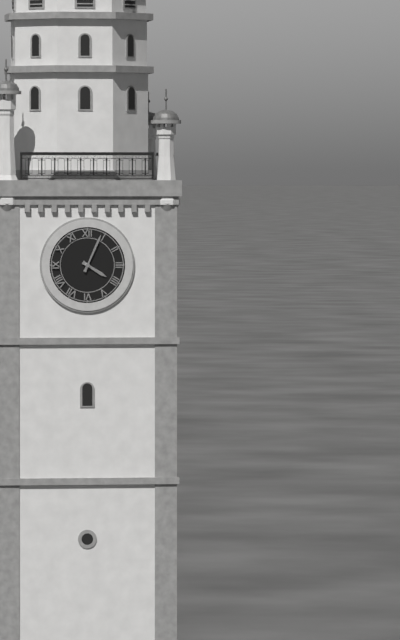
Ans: 4:04
